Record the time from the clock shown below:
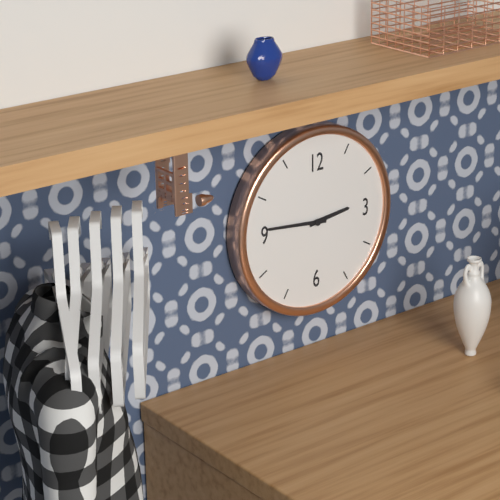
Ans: 2:46
